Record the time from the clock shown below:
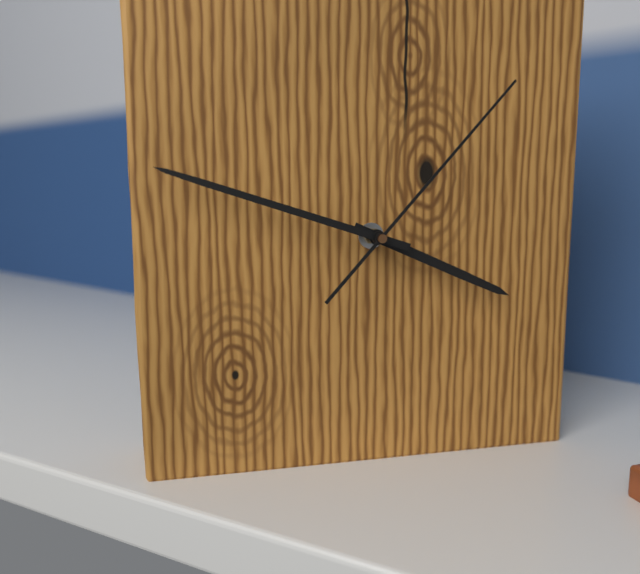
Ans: 3:48:07
